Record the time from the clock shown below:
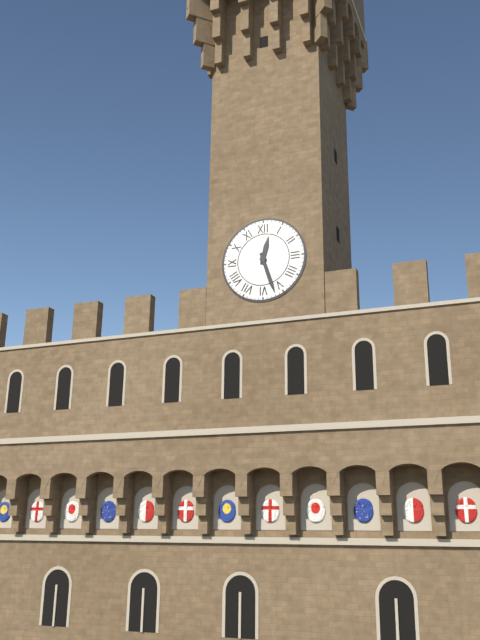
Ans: 12:27
